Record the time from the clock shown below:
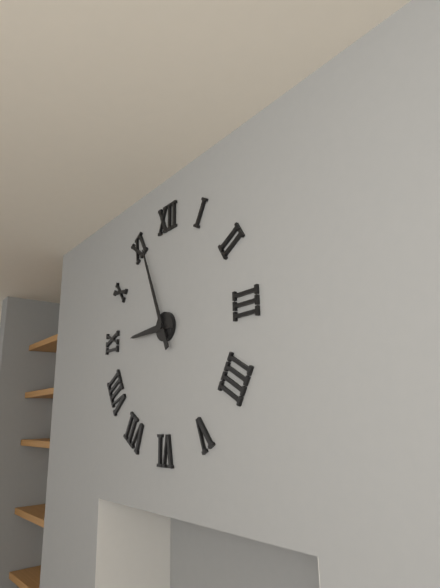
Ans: 8:56
